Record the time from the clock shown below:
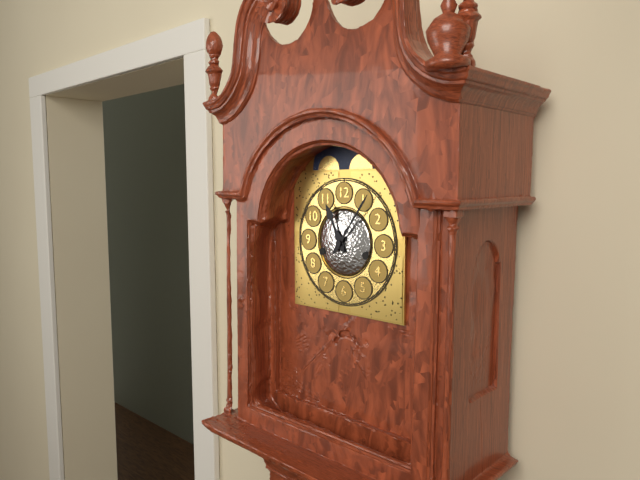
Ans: 11:06
